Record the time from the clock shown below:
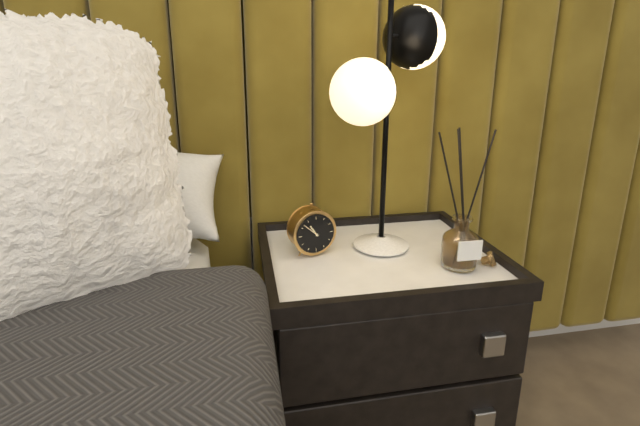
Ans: 10:52
